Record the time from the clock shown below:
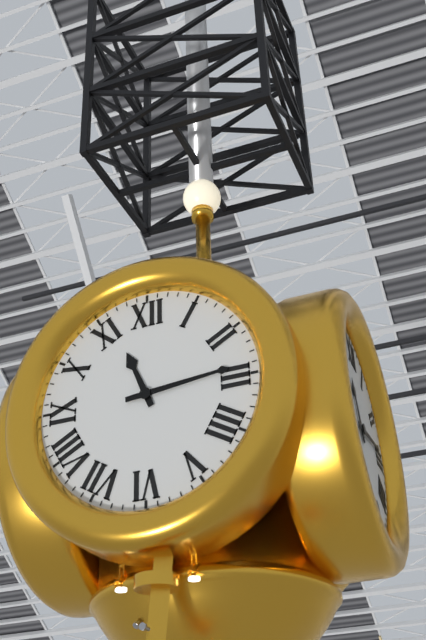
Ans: 11:14
